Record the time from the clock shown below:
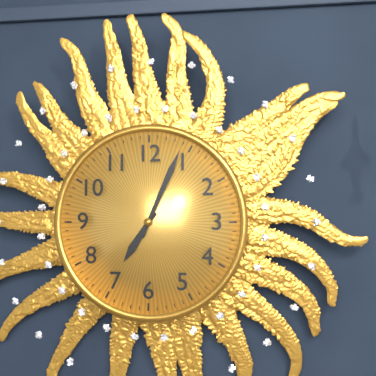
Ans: 7:04
